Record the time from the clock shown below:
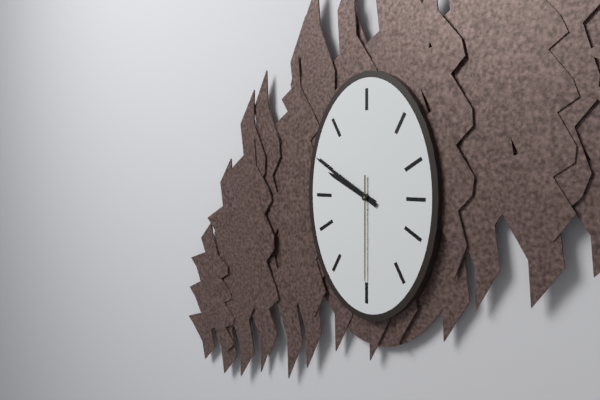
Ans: 9:50:30
